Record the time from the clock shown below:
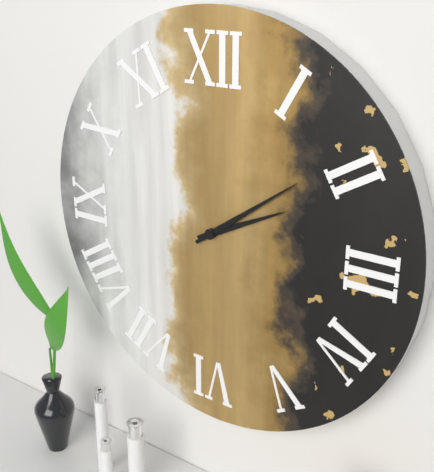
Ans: 2:09
